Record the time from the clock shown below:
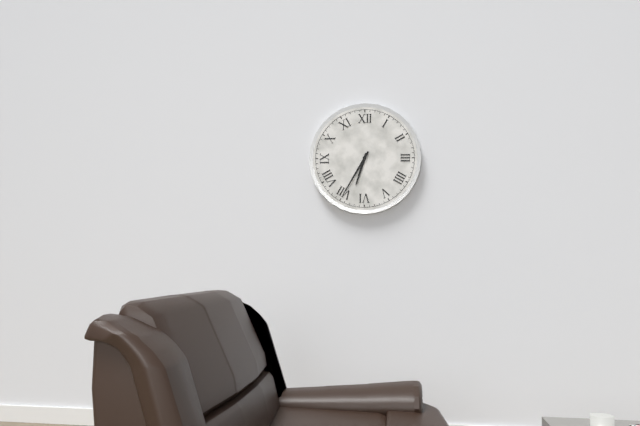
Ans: 6:35
